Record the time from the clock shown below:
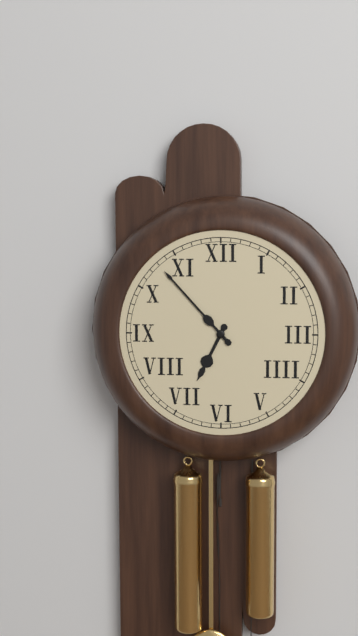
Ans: 6:53
